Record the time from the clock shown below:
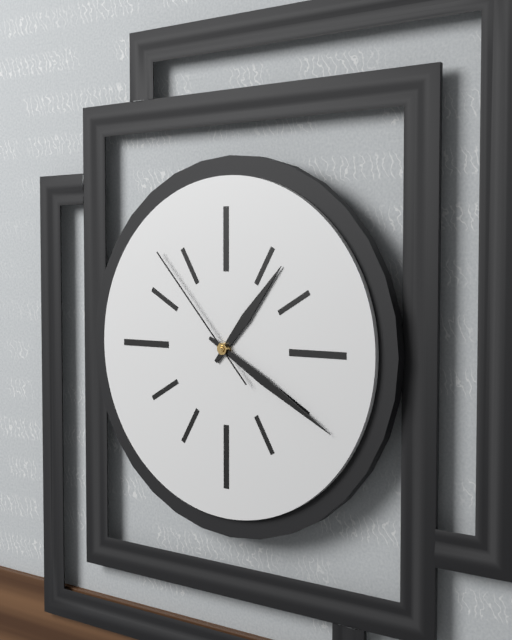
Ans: 1:20:53
